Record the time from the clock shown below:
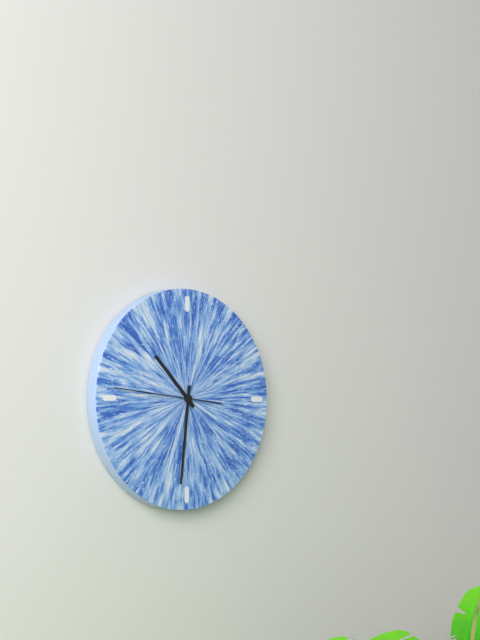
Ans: 10:31:46
